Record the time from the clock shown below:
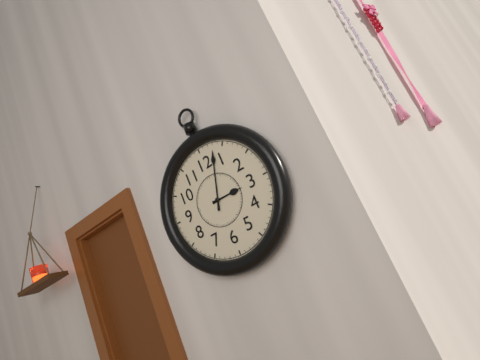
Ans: 3:03
